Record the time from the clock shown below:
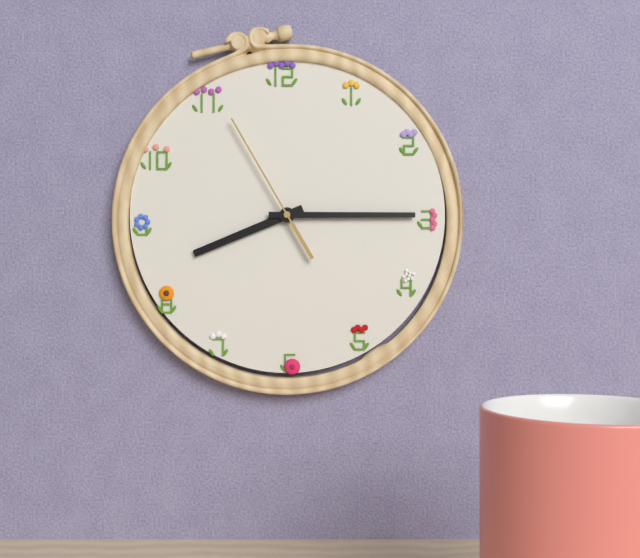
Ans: 8:15:55
